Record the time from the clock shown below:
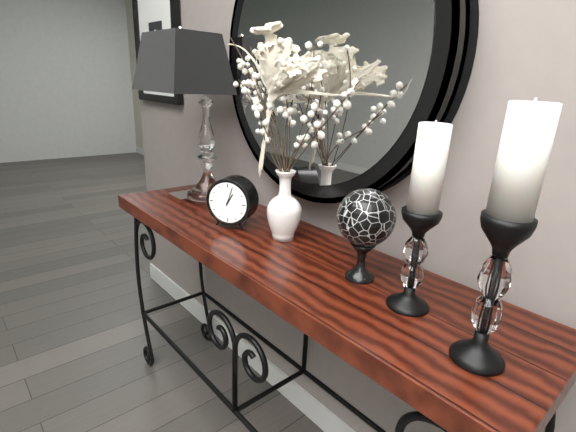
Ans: 1:03
